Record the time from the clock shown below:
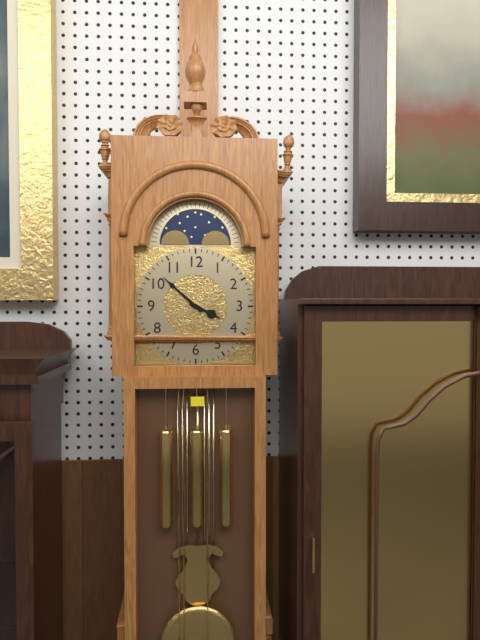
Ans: 3:52
